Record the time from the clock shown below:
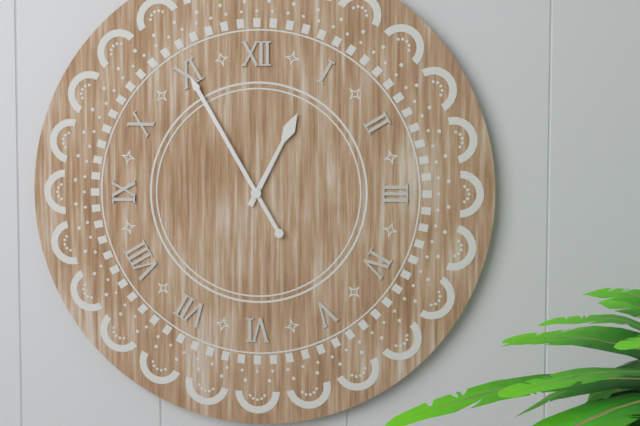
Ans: 12:55
